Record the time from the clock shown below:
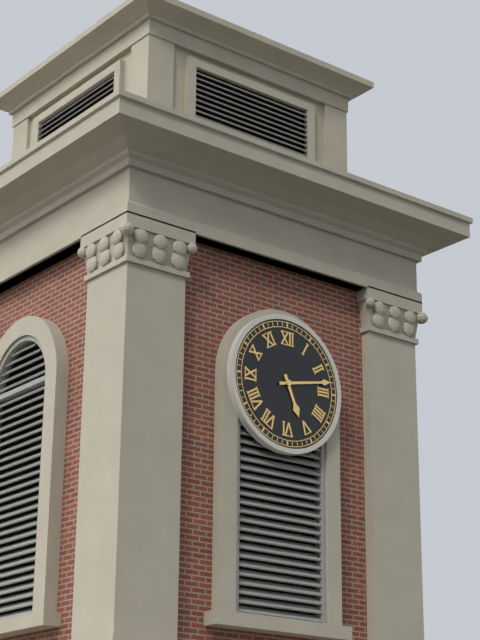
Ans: 5:13
